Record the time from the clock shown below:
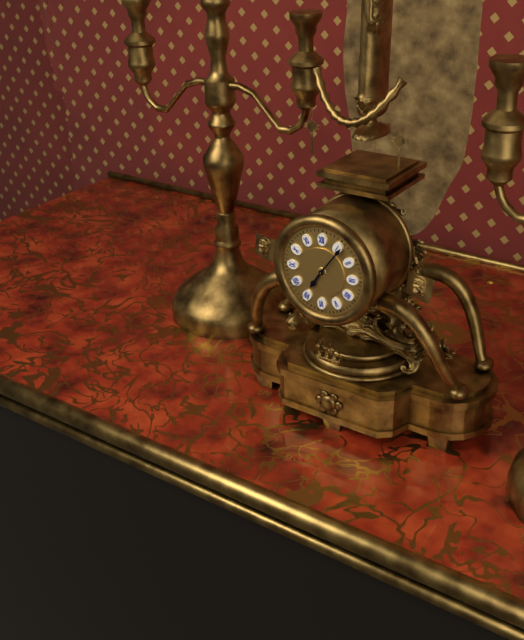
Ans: 7:06
